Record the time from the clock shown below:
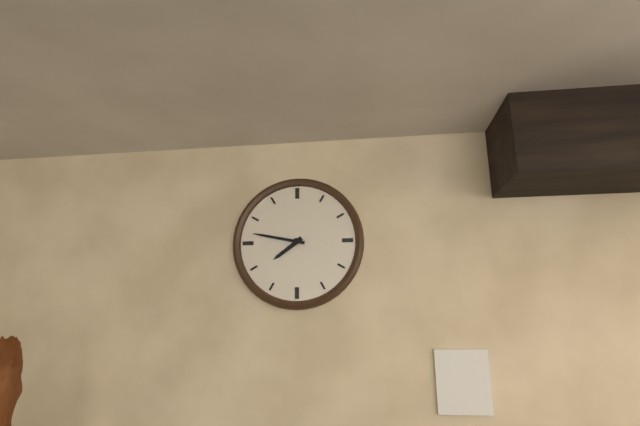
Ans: 7:47
